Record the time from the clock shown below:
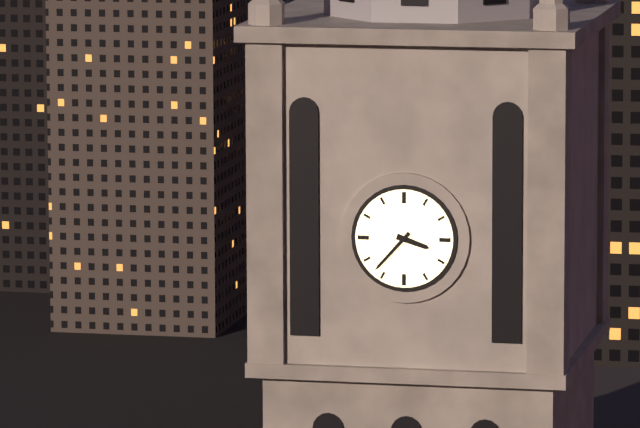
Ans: 3:37
